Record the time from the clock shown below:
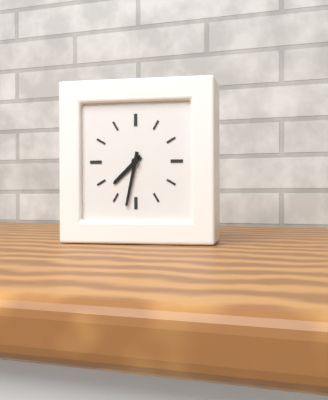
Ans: 7:32
